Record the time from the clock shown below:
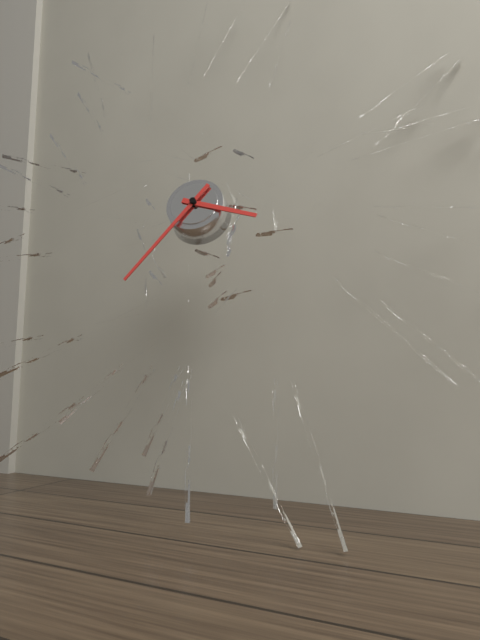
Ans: 3:36
